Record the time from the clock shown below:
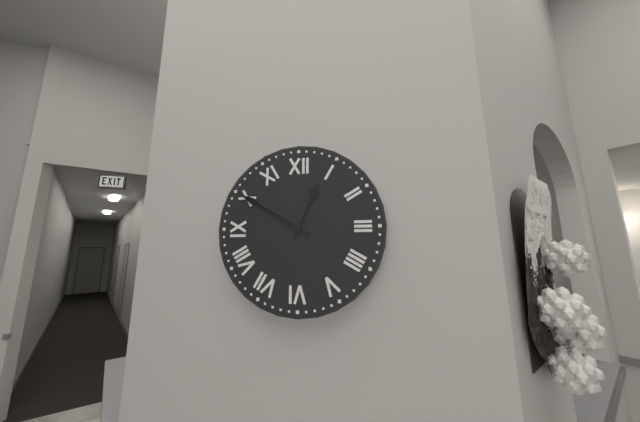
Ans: 12:50
